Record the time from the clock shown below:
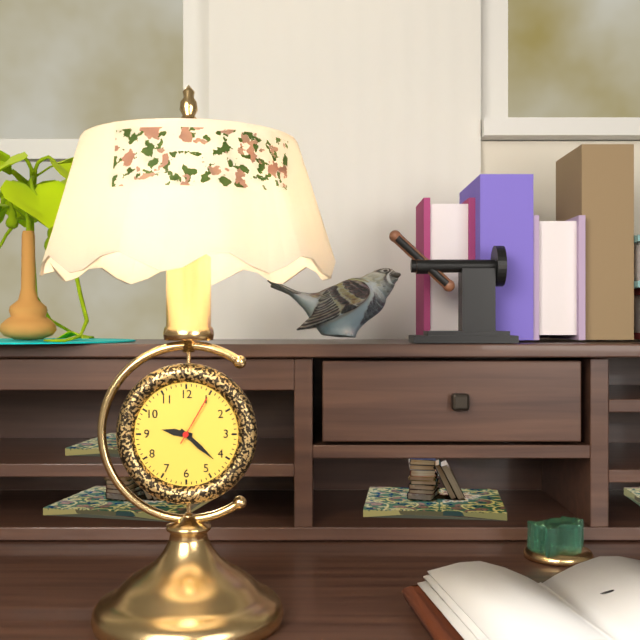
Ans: 9:22:05
